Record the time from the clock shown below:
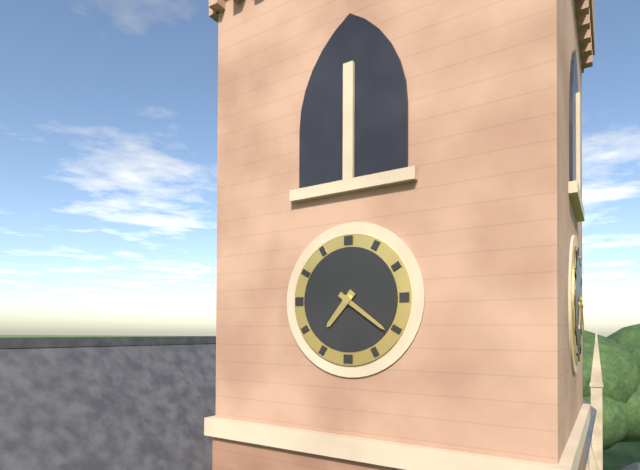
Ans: 7:21
